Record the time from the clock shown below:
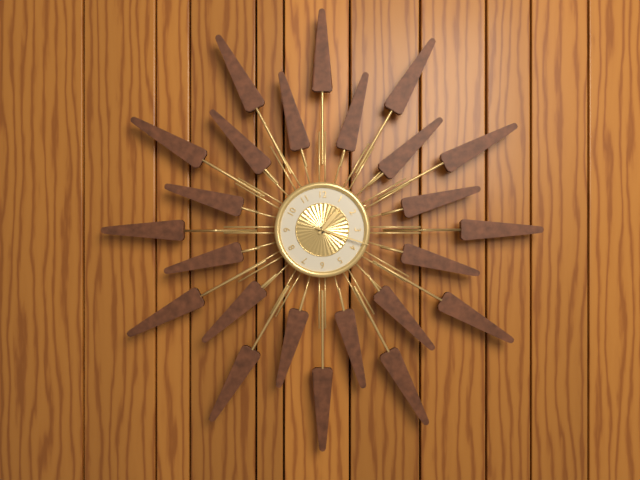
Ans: 1:18
